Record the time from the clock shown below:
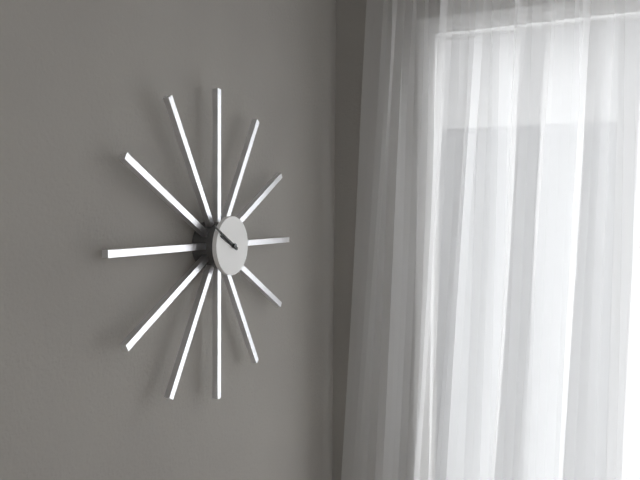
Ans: 9:50
